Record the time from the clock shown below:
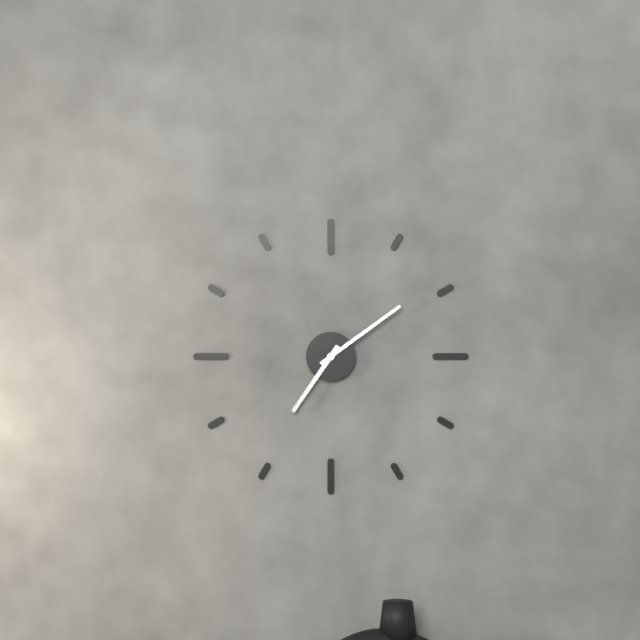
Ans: 7:09
